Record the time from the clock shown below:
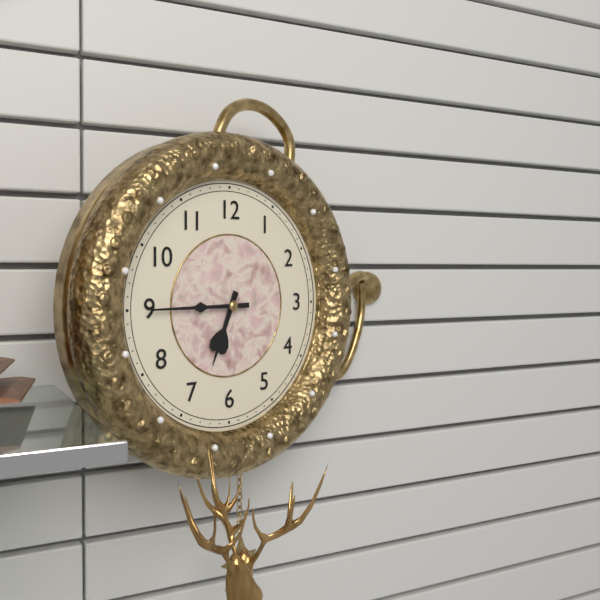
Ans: 6:45
